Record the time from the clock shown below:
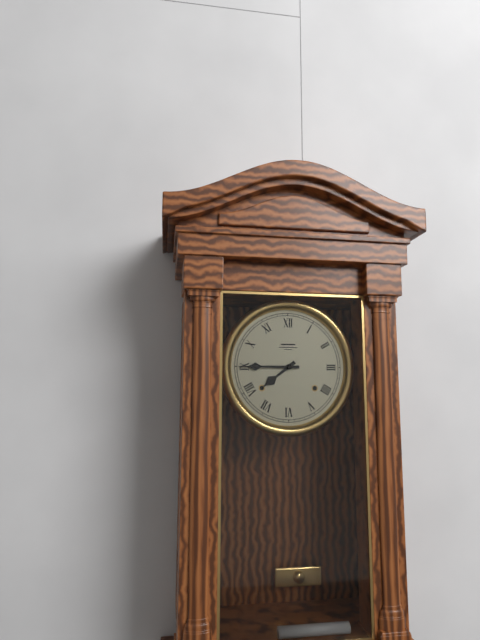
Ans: 7:45
